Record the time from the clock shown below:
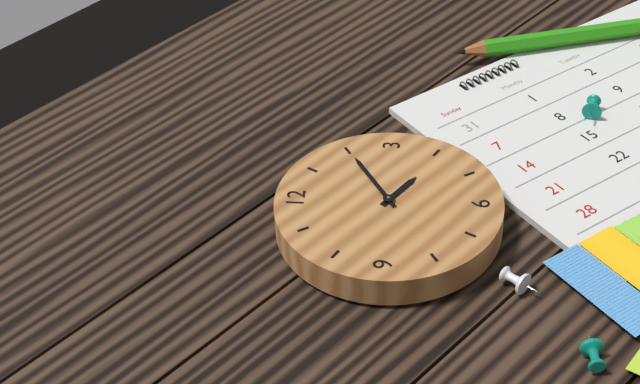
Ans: 4:10
